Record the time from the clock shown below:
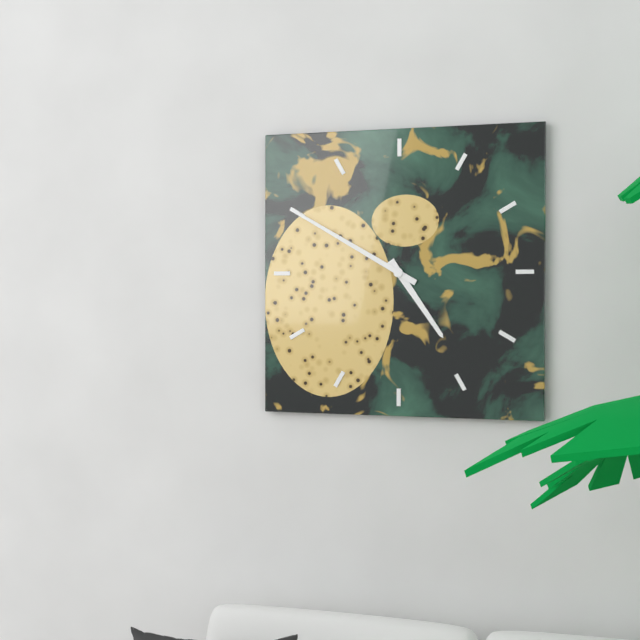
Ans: 4:50
